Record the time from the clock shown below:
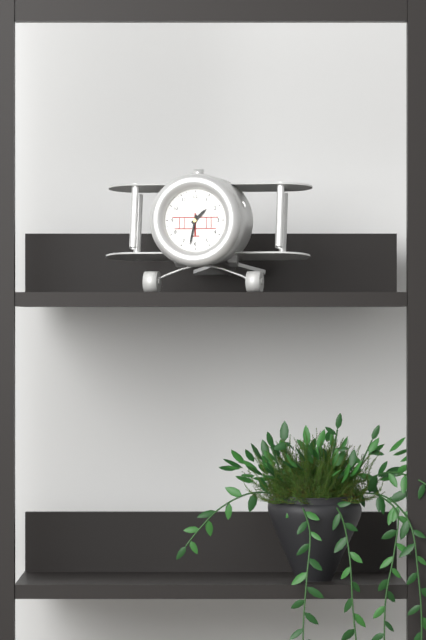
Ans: 1:32
